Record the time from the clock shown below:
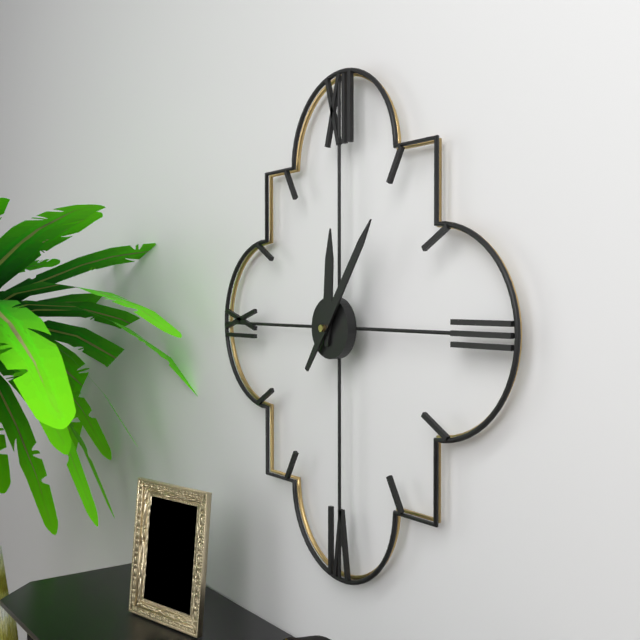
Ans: 12:06
